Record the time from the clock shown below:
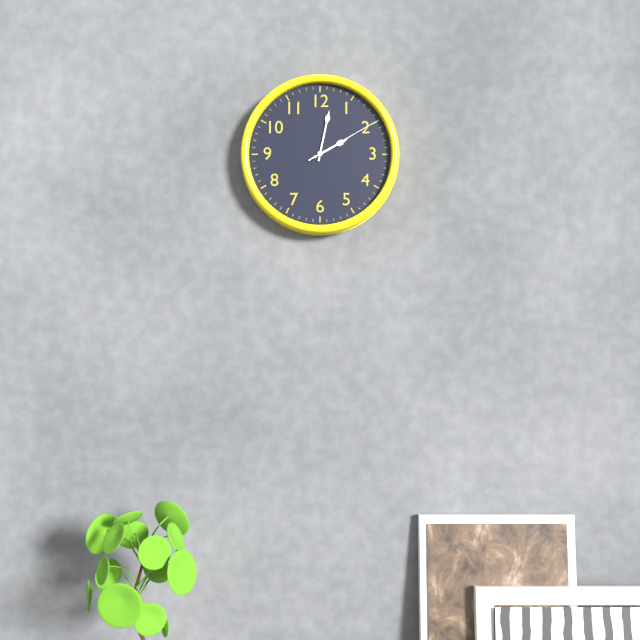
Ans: 2:02:10
